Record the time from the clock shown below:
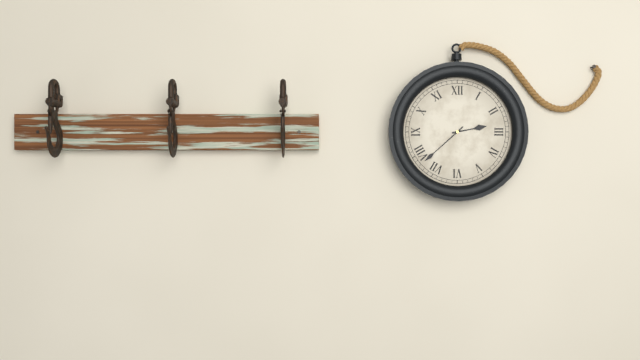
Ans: 2:38
